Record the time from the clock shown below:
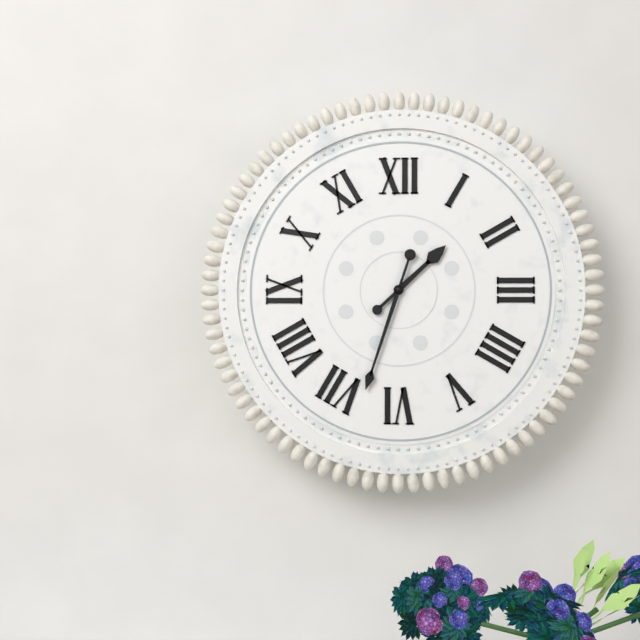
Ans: 1:33
